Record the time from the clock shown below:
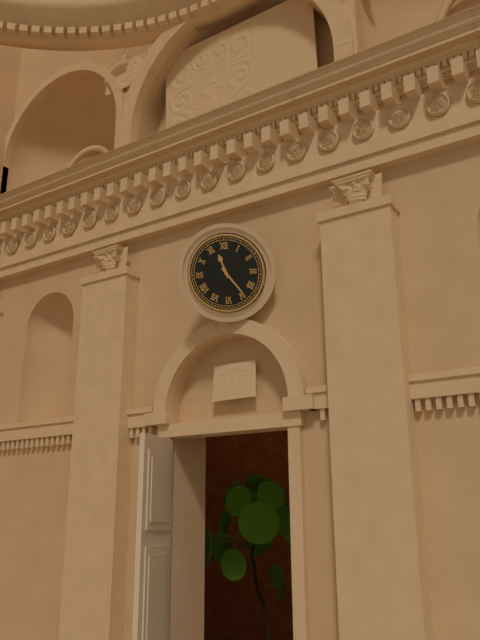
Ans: 11:24
